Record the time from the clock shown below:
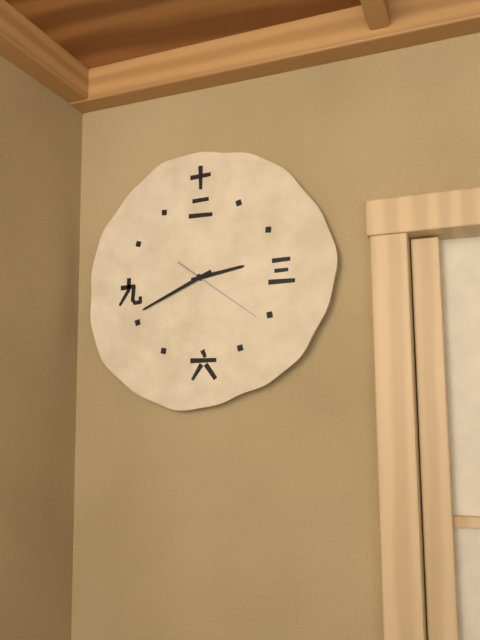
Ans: 2:41:21
